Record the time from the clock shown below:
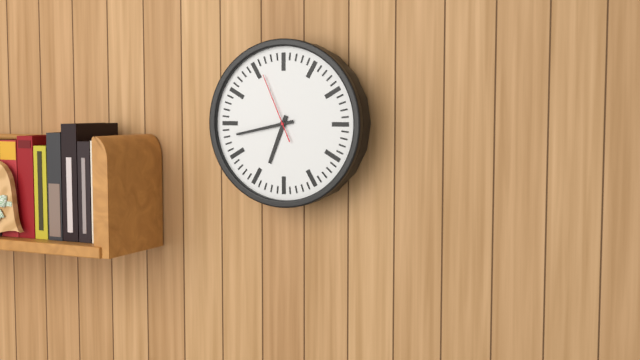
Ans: 6:43:56
